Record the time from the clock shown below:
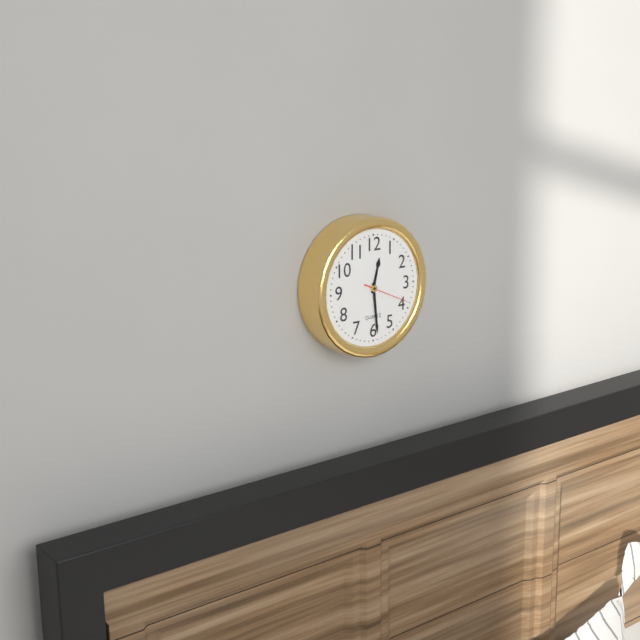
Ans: 12:29
